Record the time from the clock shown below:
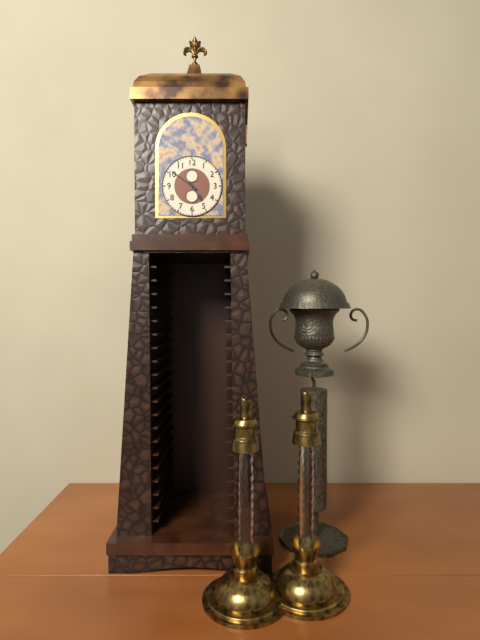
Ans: 4:51
